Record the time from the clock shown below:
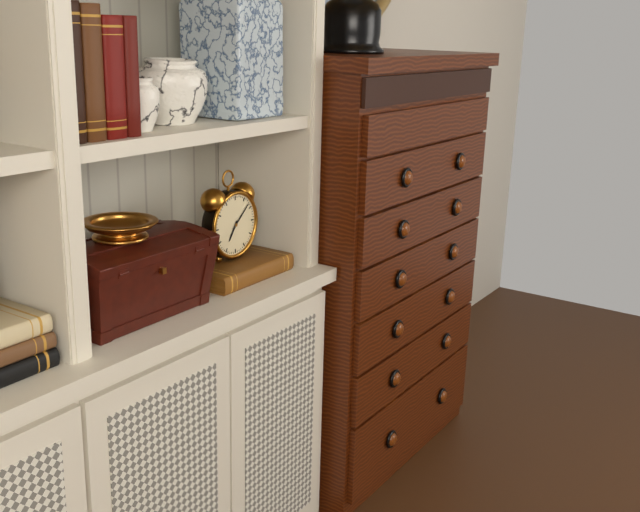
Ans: 7:08
